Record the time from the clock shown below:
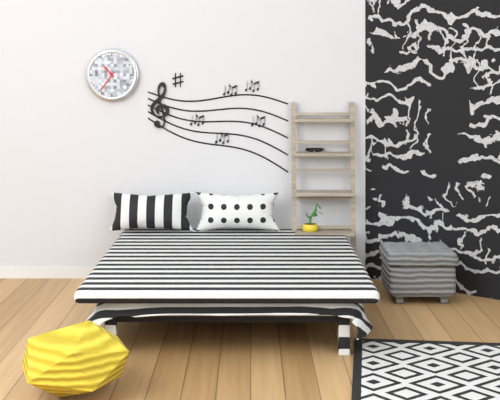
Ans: 10:36
